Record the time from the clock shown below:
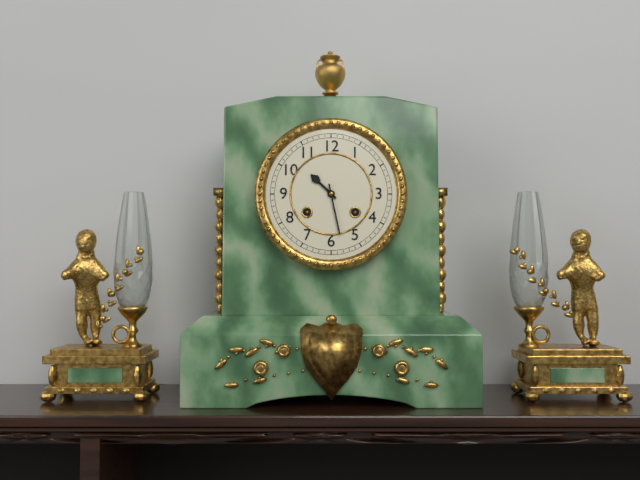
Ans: 10:28
